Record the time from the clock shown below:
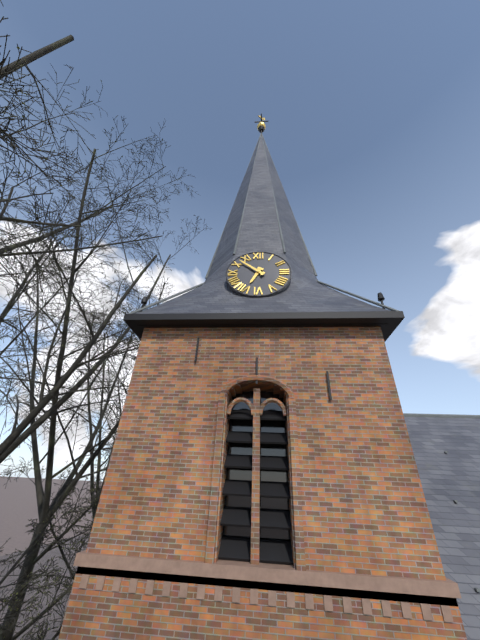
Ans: 6:52
